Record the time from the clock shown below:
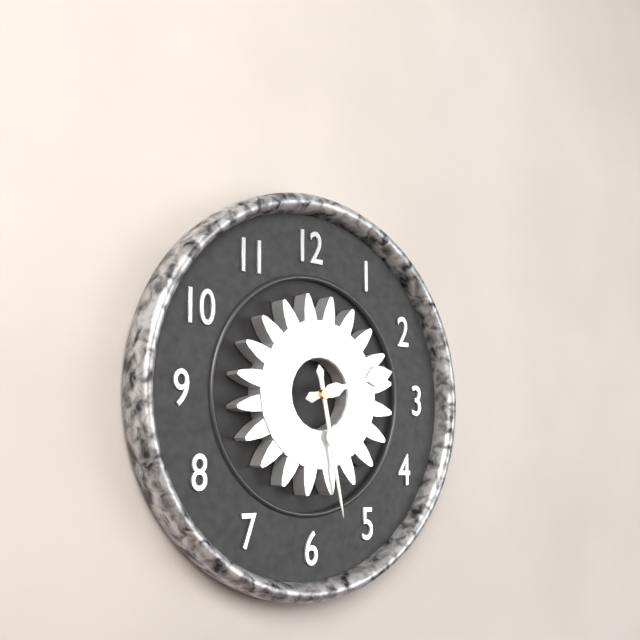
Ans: 2:28
